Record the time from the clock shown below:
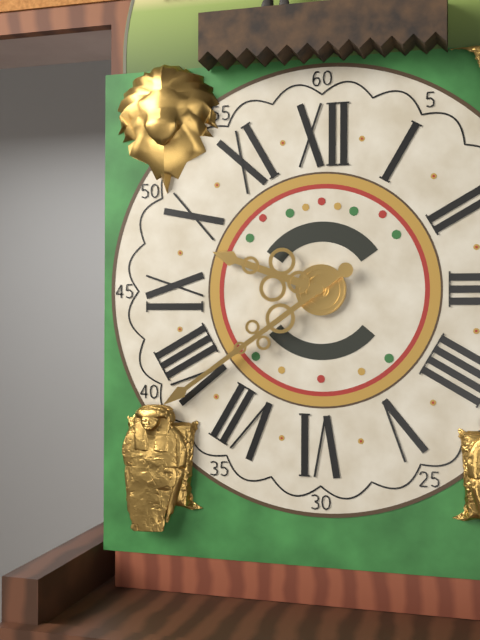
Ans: 9:39
